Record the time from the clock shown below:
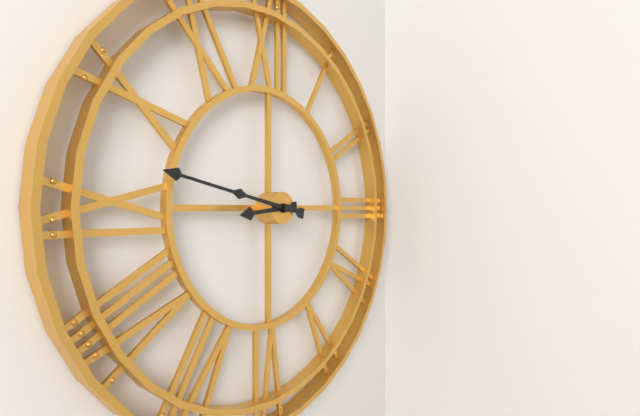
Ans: 8:47
